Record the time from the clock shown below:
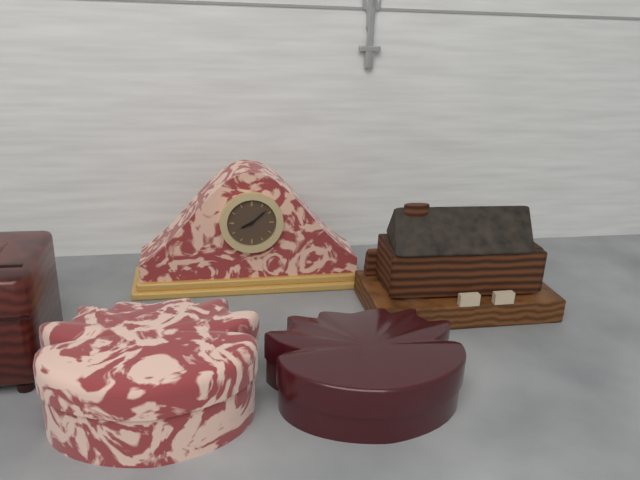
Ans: 8:08
